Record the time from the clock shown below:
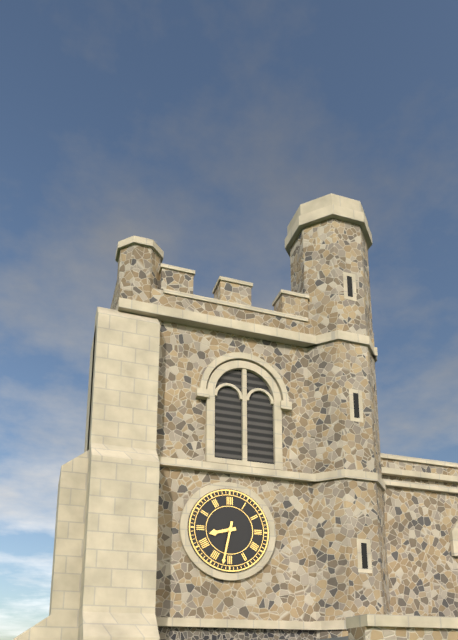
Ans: 8:32
